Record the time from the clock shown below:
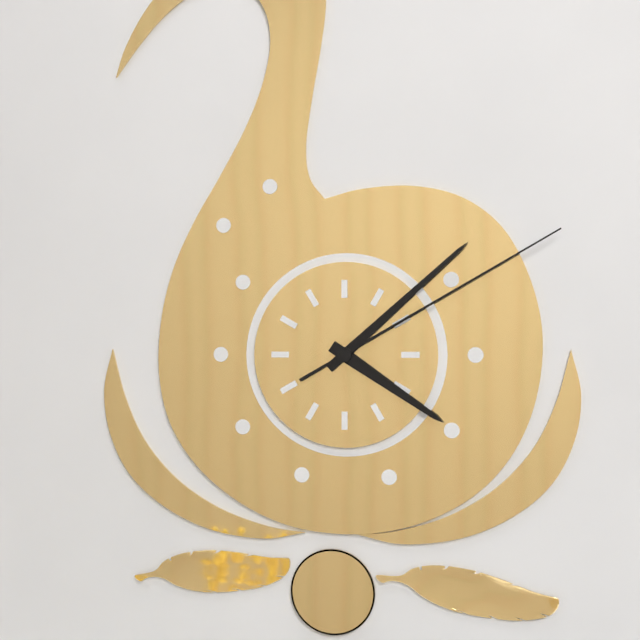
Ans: 4:08:10
